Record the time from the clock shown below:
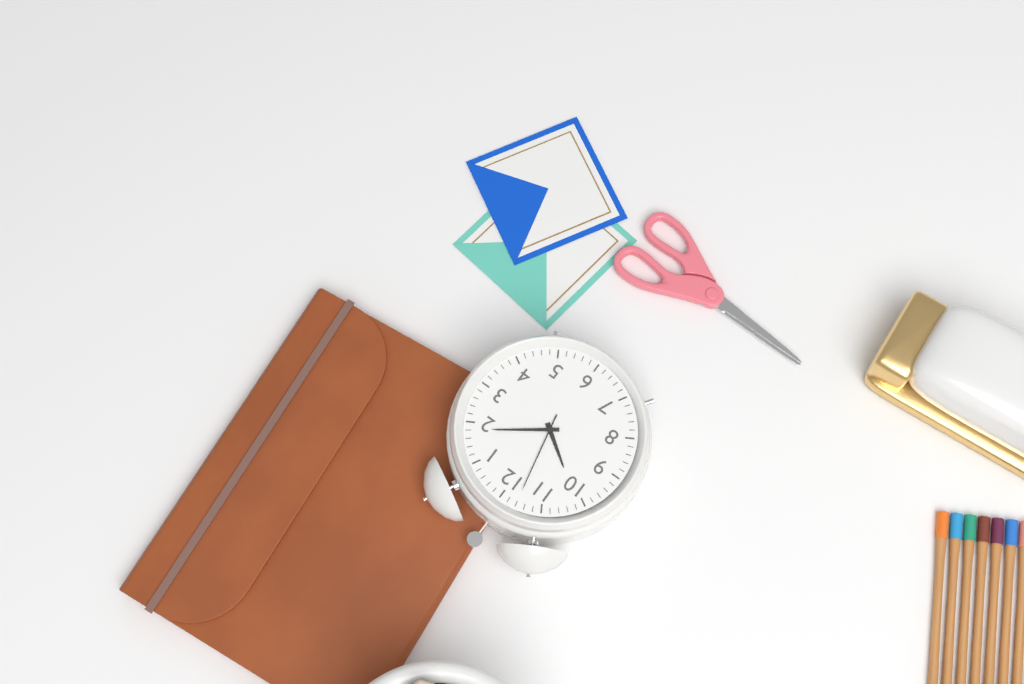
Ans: 10:09:58
